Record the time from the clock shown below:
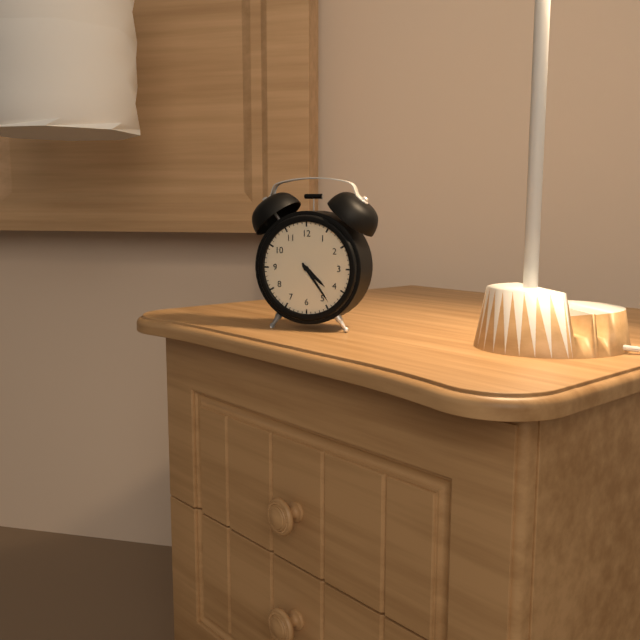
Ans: 4:24
